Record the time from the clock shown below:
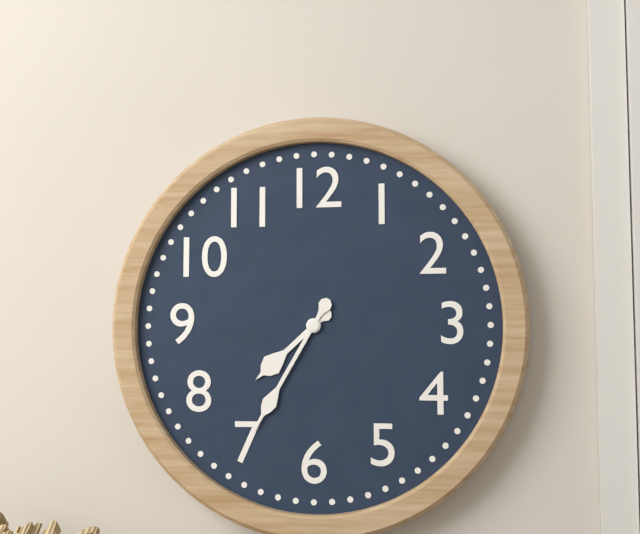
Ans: 7:35
